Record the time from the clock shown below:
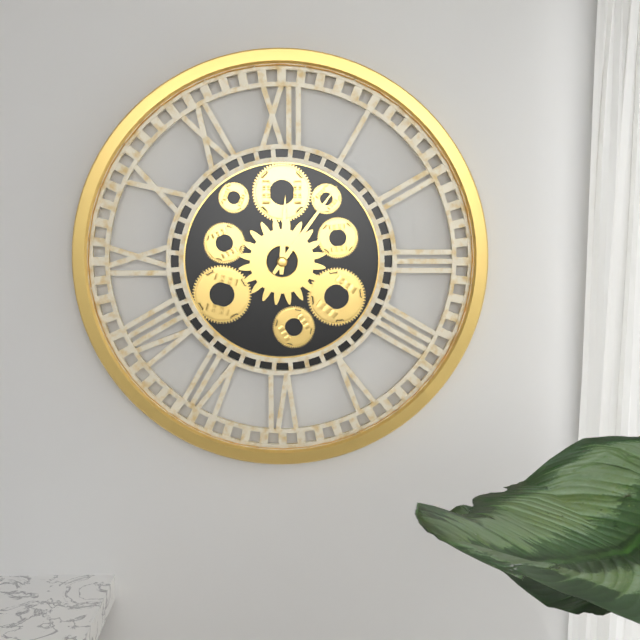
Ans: 12:06
